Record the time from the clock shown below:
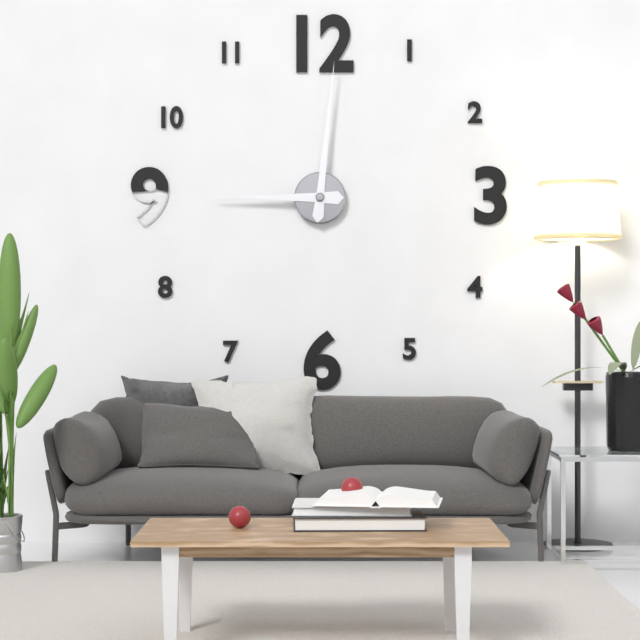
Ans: 9:01
